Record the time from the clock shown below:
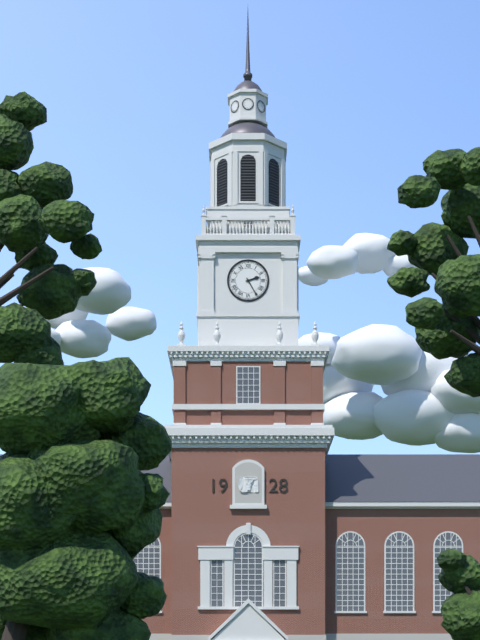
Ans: 2:25
